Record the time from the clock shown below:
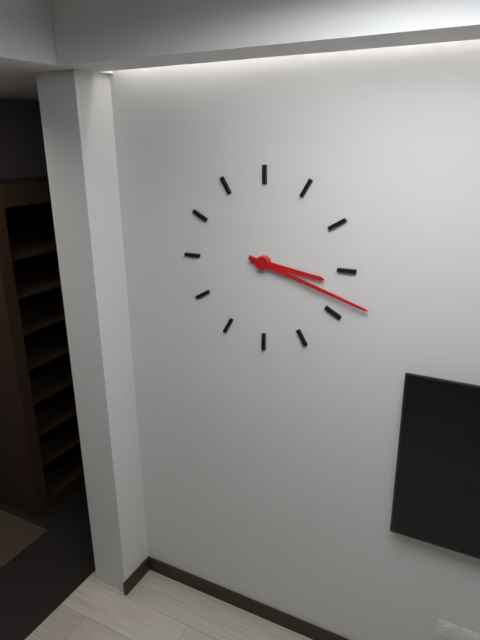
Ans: 3:18
